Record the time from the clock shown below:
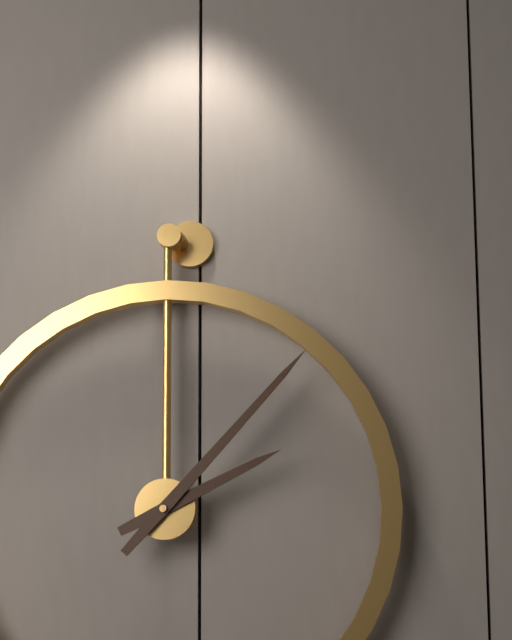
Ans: 2:07
